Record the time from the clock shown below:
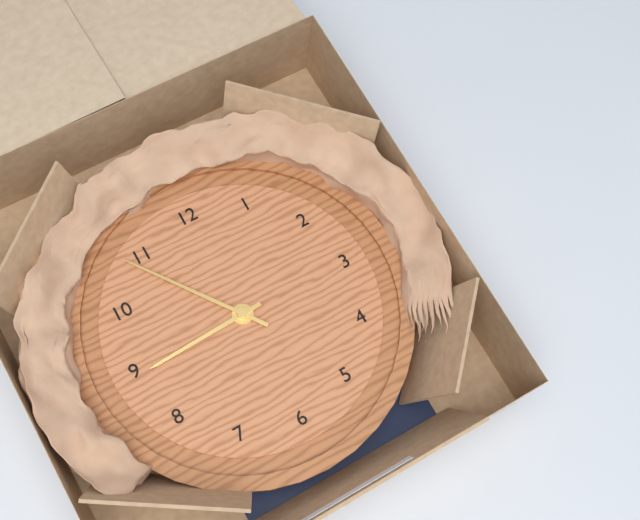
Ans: 8:54
